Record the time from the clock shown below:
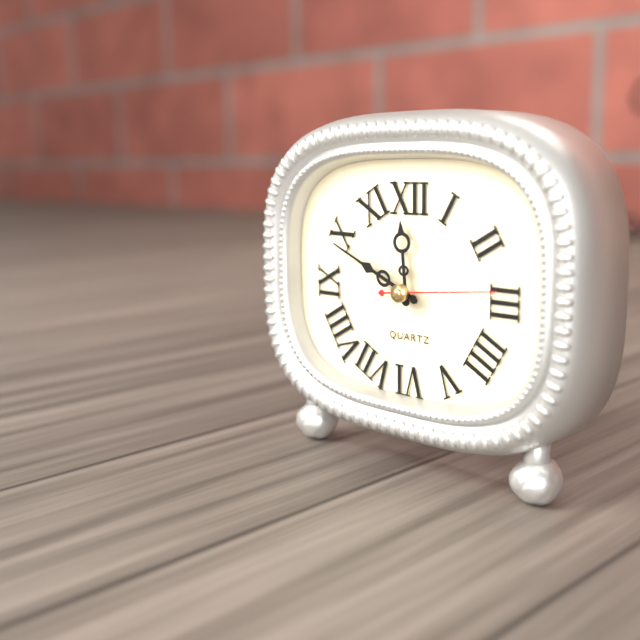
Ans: 11:49:14
